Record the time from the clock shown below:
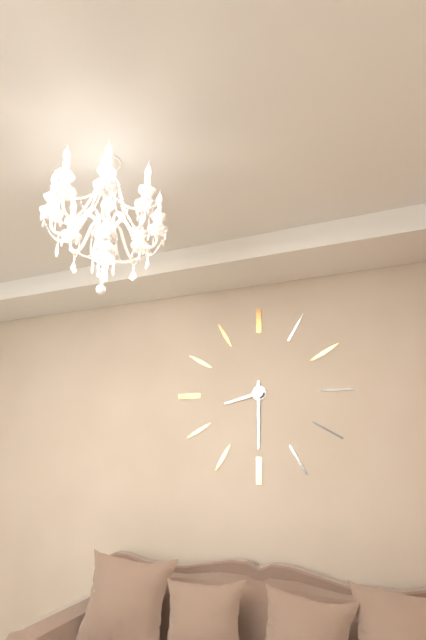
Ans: 8:30
